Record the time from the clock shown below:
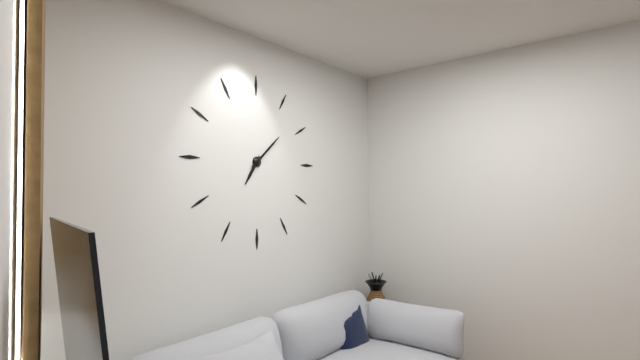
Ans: 7:08
